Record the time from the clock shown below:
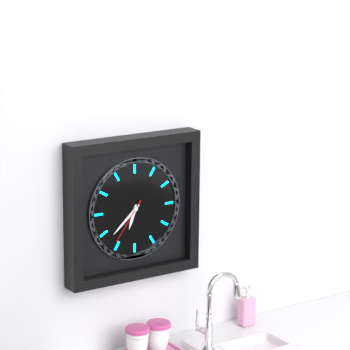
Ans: 6:38
